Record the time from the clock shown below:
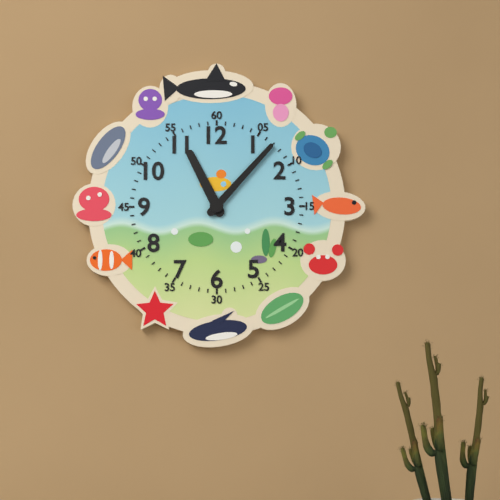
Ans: 11:07
